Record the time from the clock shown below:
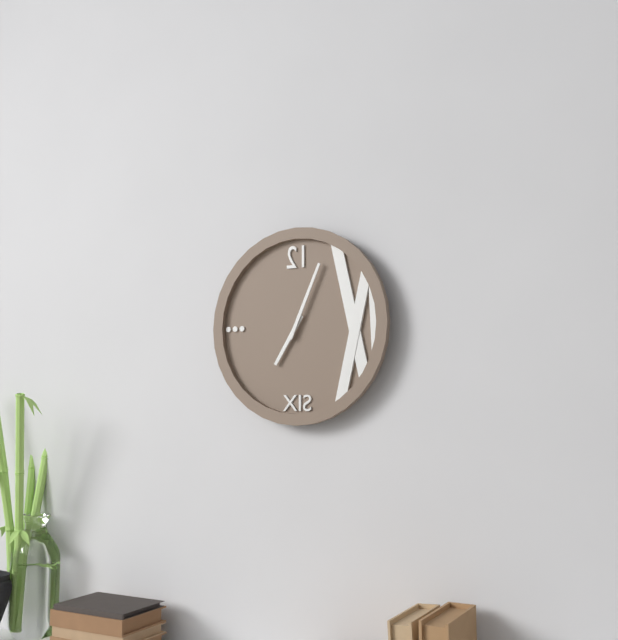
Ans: 7:04
